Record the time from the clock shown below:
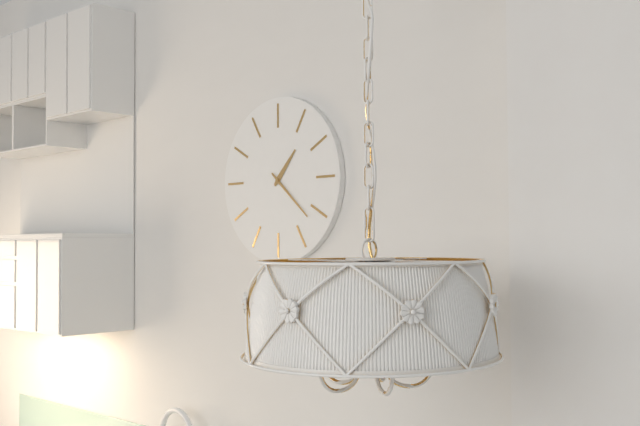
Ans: 1:22
